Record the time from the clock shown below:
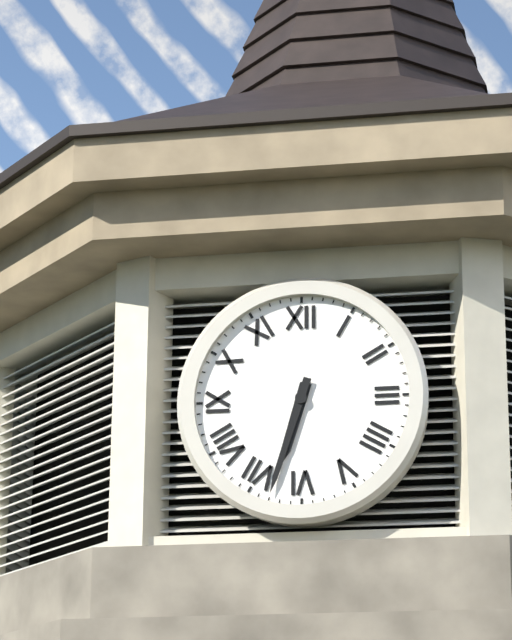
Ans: 6:33
